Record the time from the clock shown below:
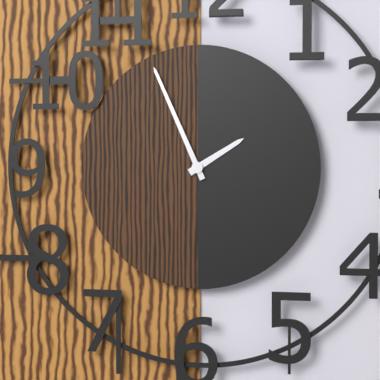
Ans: 1:56
